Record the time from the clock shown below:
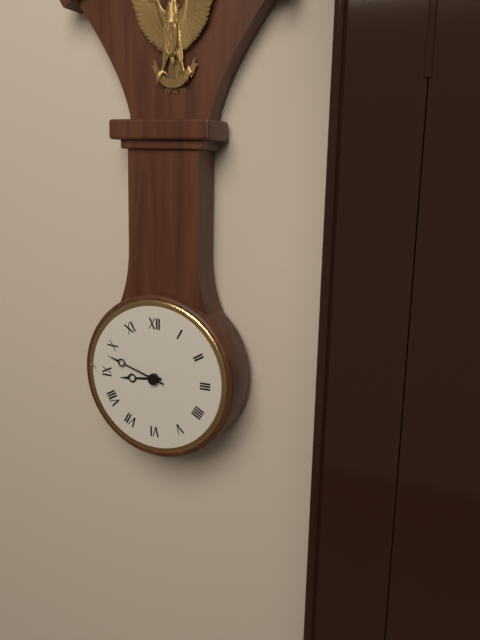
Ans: 8:48
